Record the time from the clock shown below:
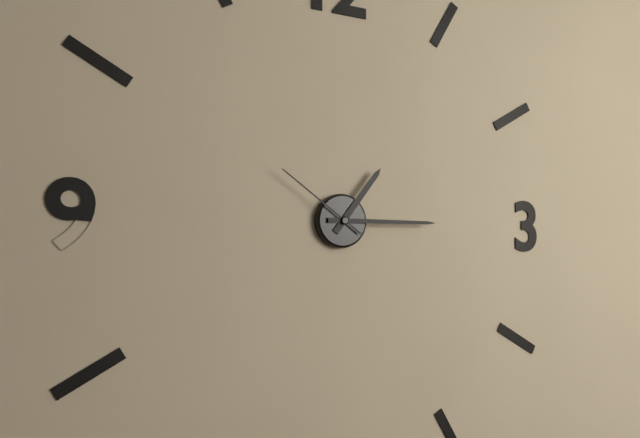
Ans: 1:15:51
